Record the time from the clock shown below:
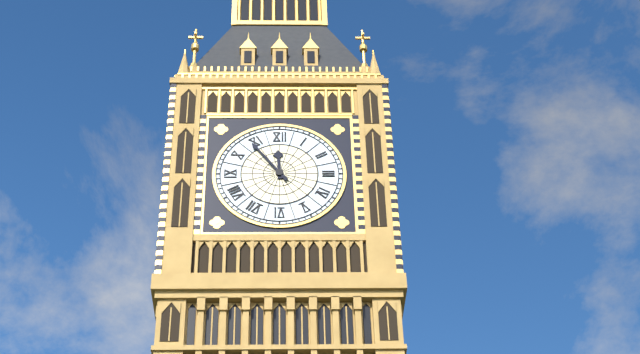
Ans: 11:54
